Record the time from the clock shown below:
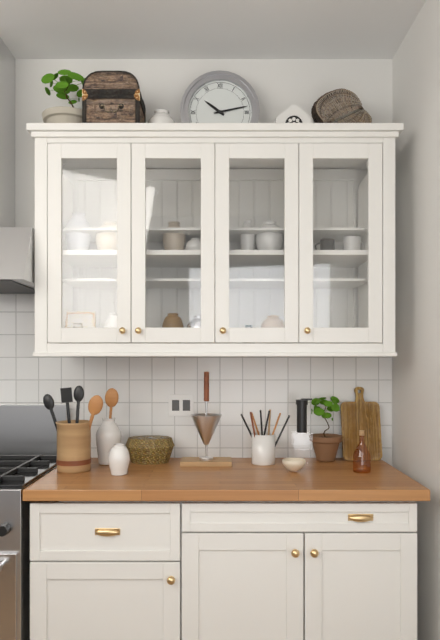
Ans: 10:13
